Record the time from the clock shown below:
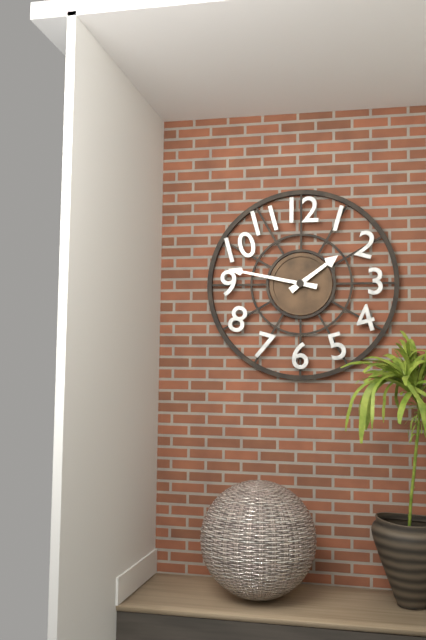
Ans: 1:47
